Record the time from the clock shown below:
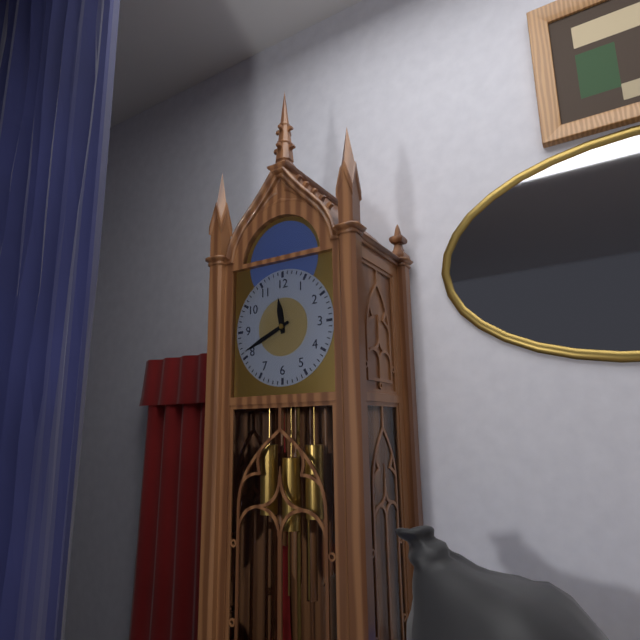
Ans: 11:41
